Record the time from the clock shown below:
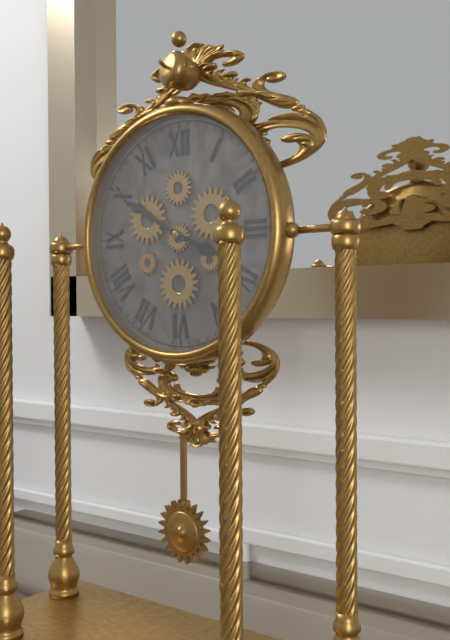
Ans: 3:50
